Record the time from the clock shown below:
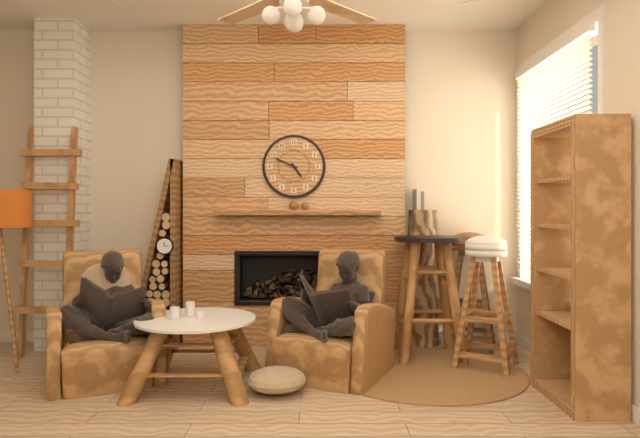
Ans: 4:49
